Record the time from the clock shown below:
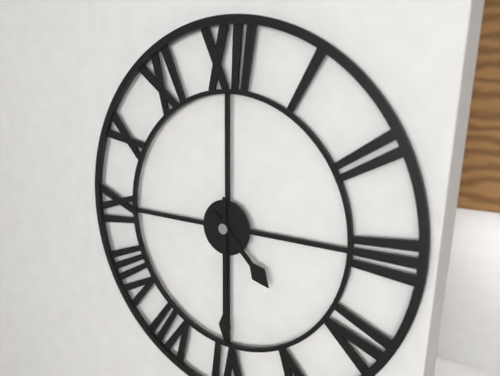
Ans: 4:30
